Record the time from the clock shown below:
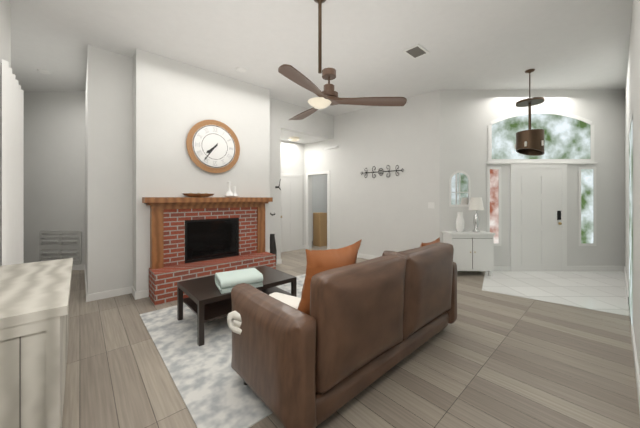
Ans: 7:36
